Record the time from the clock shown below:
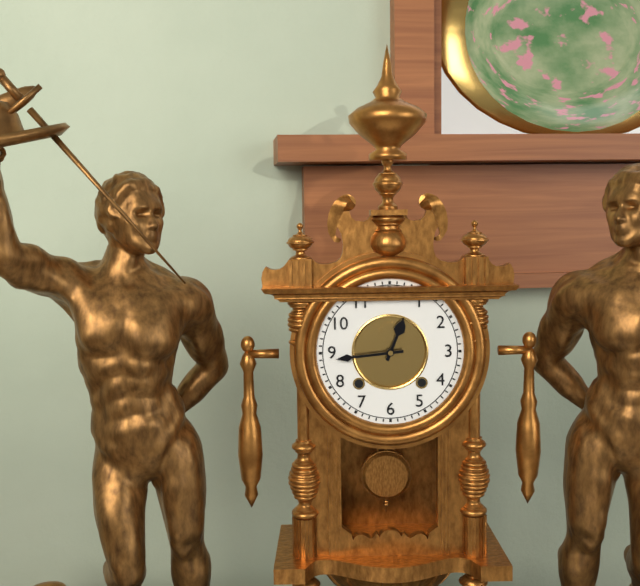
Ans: 12:44
